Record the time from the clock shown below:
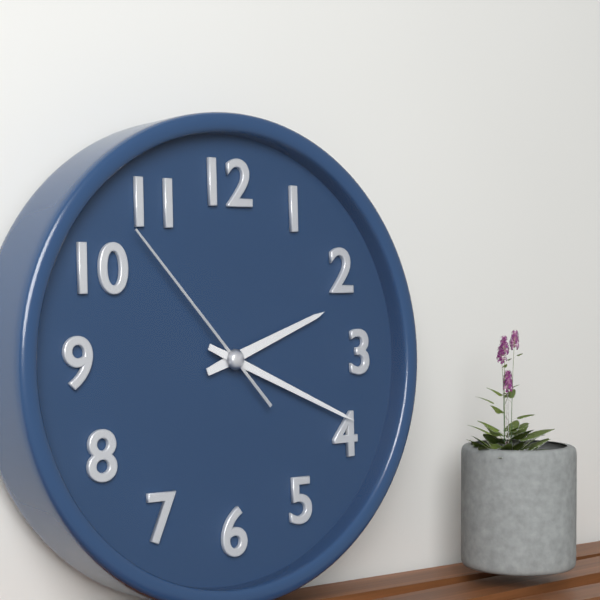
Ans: 2:19:53
